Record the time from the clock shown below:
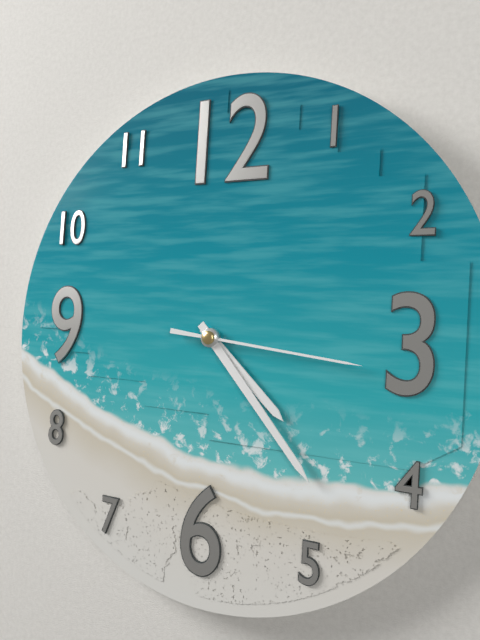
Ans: 4:23:16
